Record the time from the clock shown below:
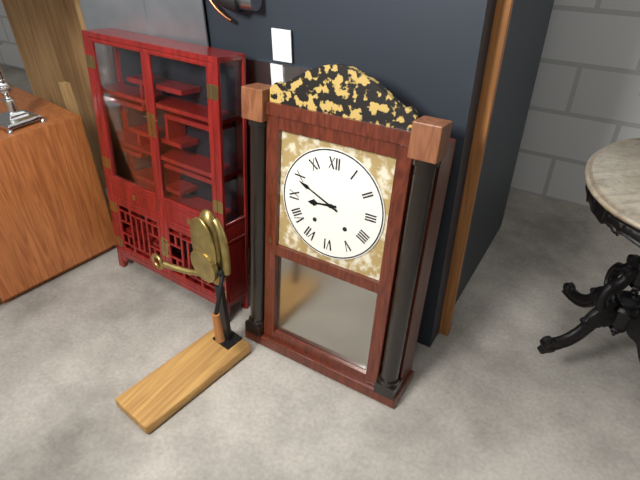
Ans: 8:49
